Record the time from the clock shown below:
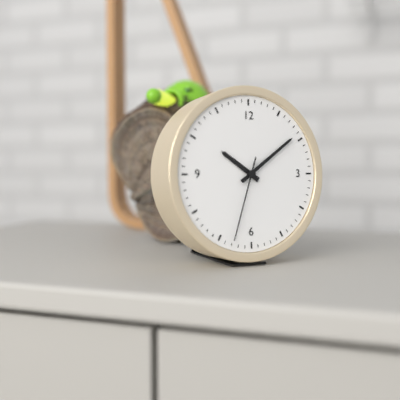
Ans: 10:09:33
